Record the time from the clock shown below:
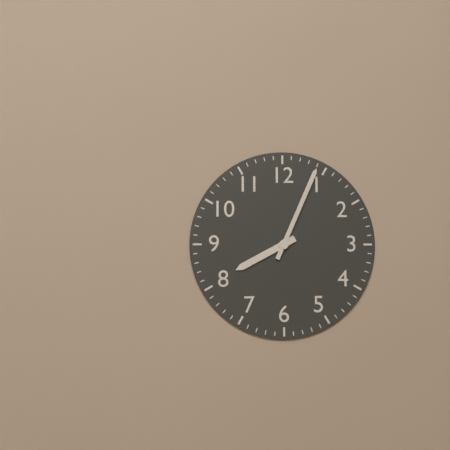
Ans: 8:04
